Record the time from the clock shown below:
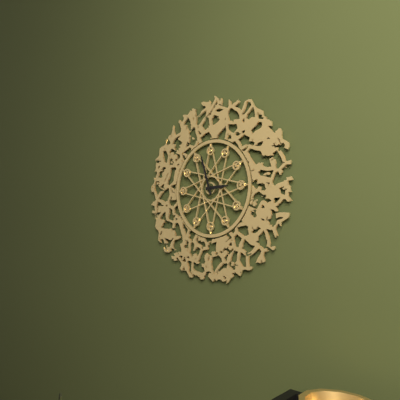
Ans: 2:57
